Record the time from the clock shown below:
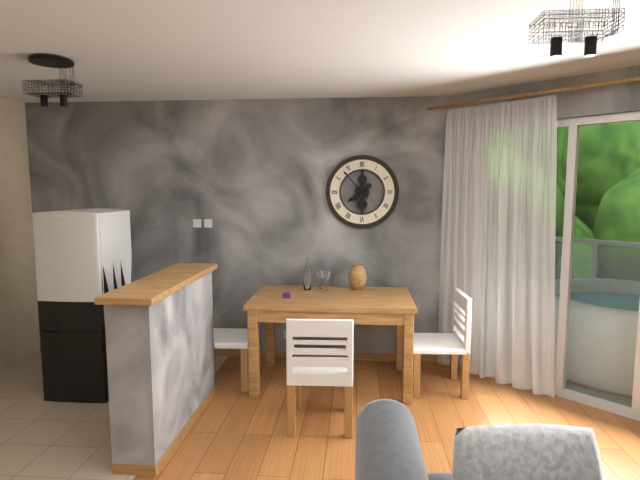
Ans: 7:53
